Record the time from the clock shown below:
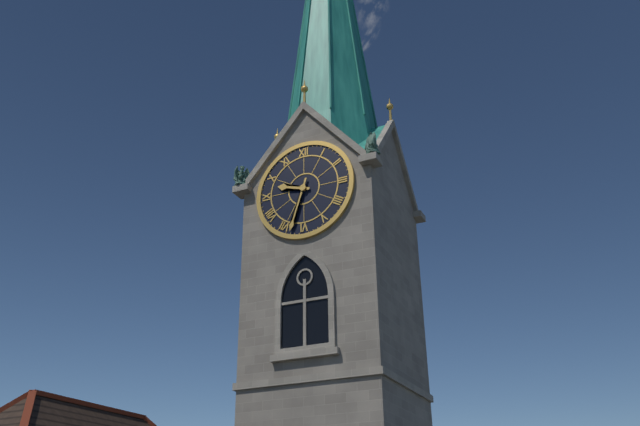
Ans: 9:33
